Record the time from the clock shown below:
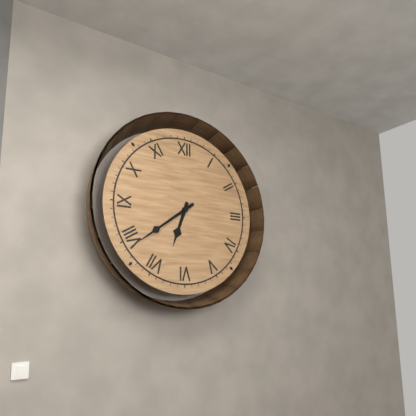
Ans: 6:39
